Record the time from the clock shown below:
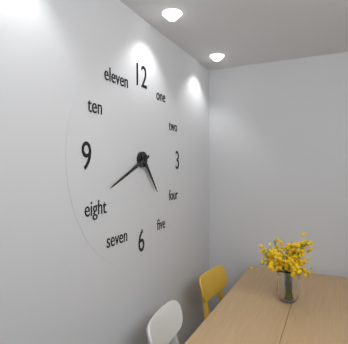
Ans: 4:41
